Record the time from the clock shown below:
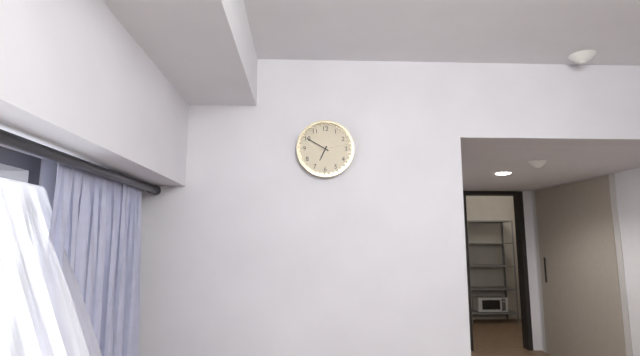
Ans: 6:50
